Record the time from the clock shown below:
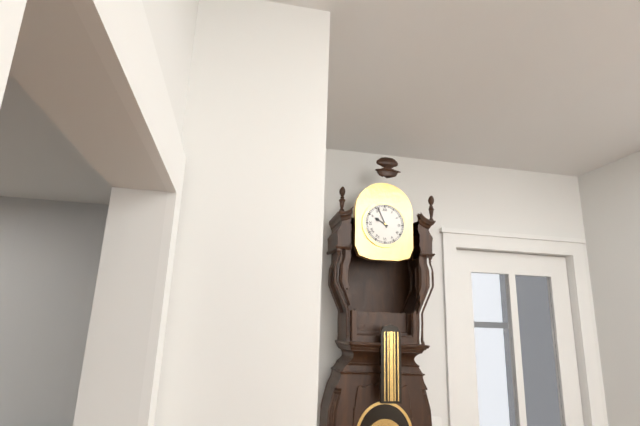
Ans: 9:56
